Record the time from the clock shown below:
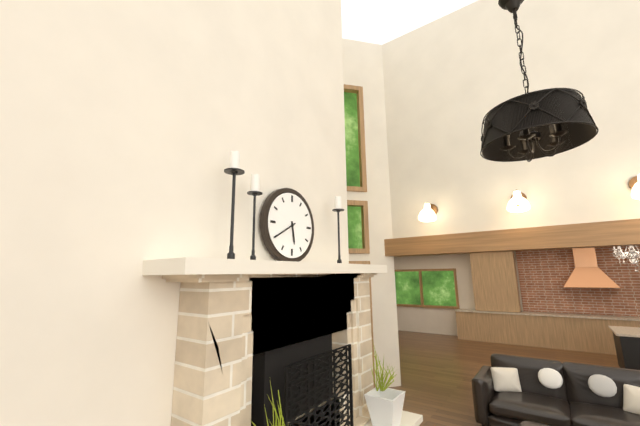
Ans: 5:40
